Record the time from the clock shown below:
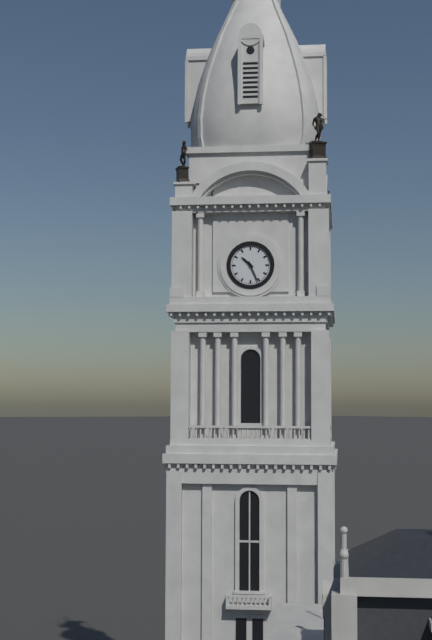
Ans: 10:26
